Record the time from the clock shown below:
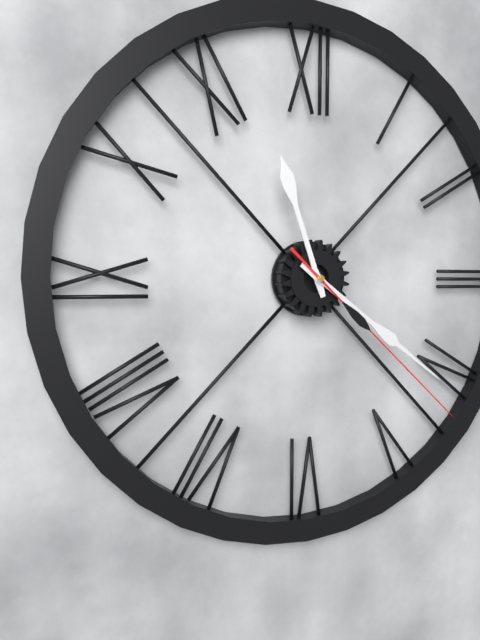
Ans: 11:21:22
